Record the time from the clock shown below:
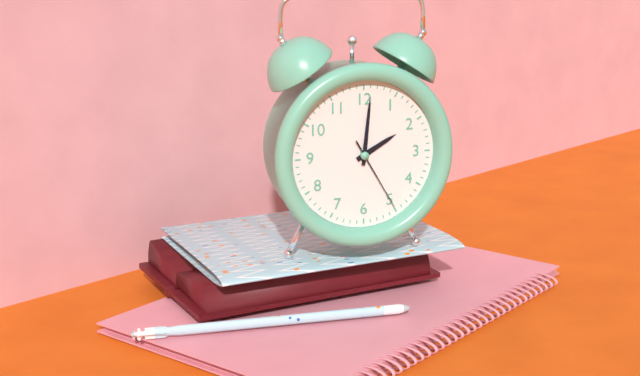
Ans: 2:01:25
